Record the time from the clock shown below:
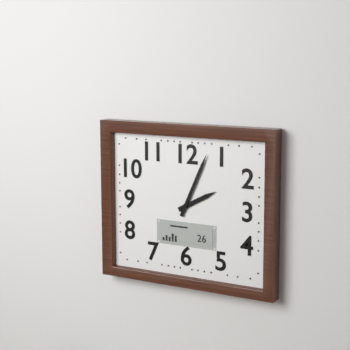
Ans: 2:04
